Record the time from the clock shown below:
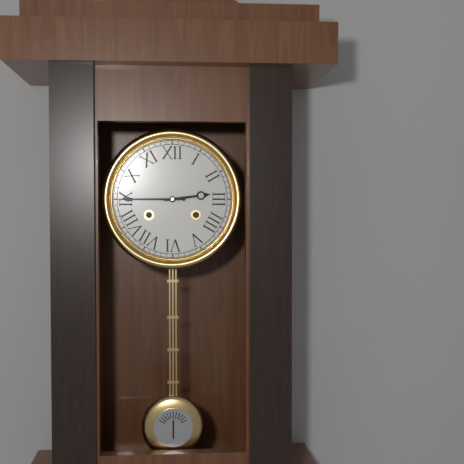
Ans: 2:45
